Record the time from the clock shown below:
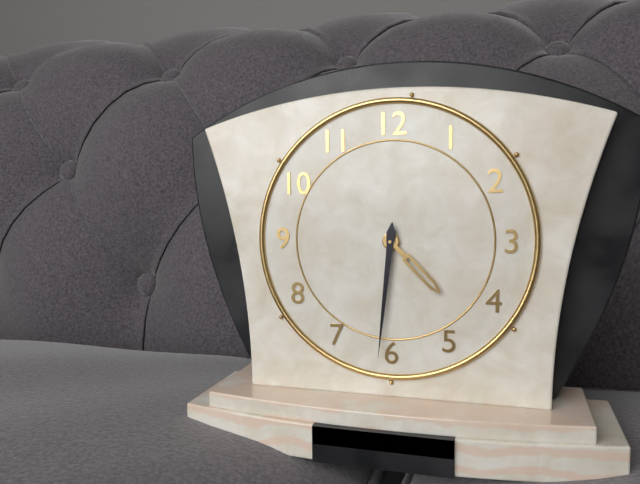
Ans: 4:31
